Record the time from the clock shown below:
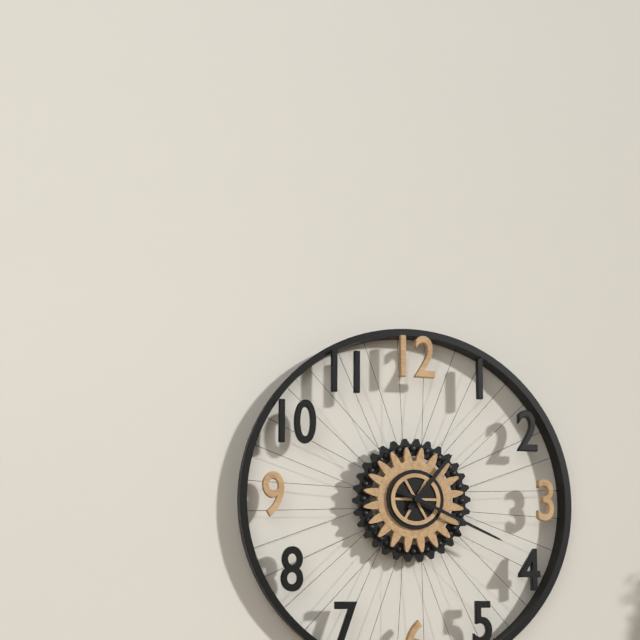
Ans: 1:19
